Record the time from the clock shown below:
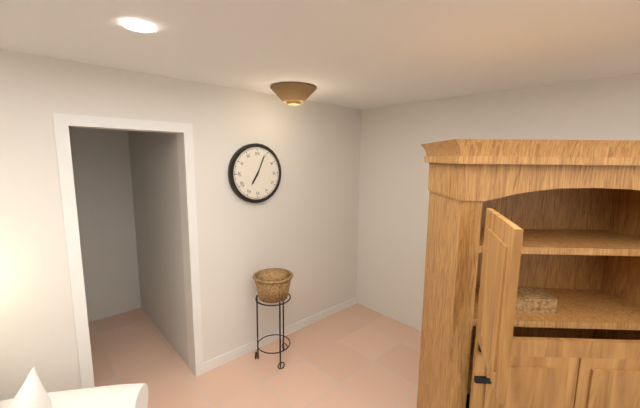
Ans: 7:04
